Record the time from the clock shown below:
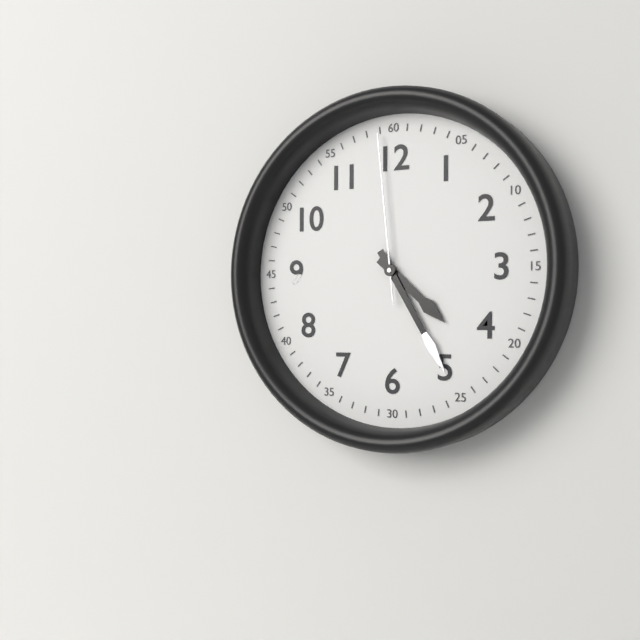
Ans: 4:25:59
